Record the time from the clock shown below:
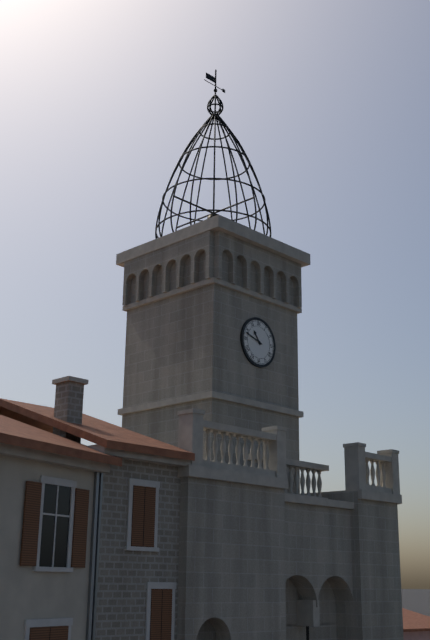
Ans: 10:48
